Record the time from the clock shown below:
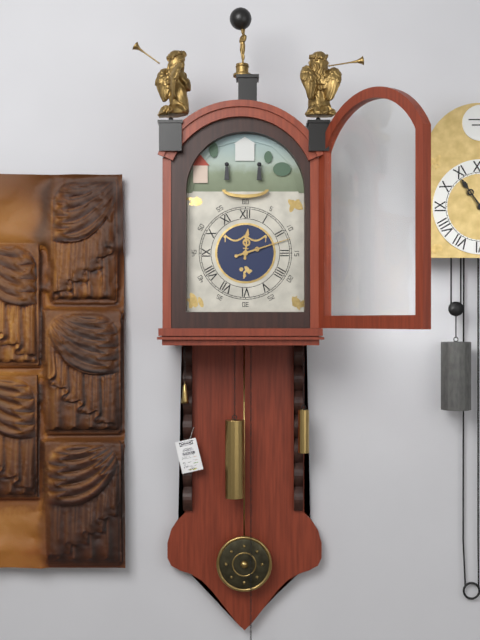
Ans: 12:12
